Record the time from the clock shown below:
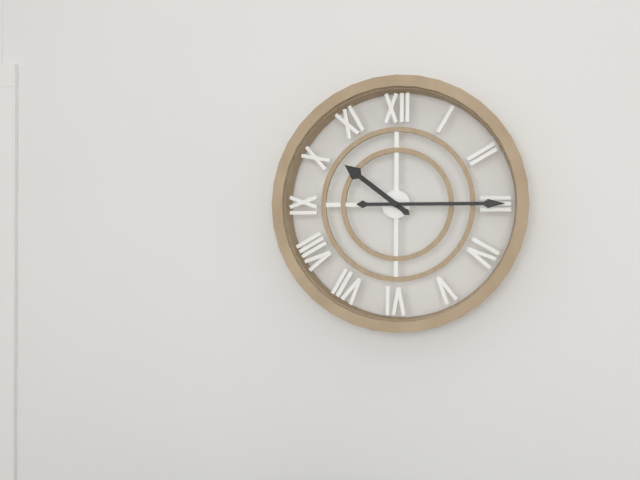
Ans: 10:15
